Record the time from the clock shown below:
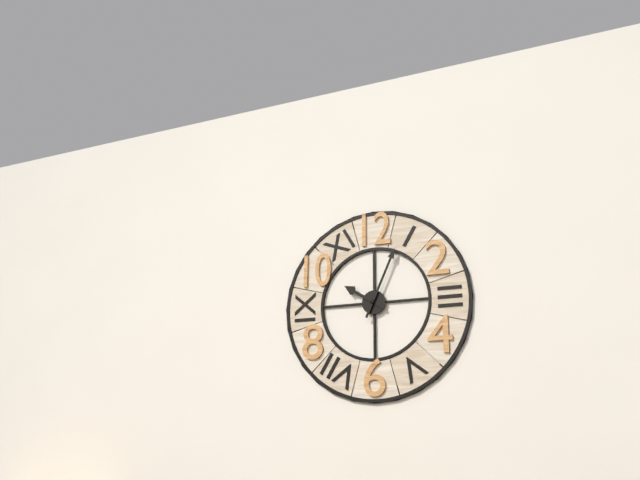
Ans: 10:04
